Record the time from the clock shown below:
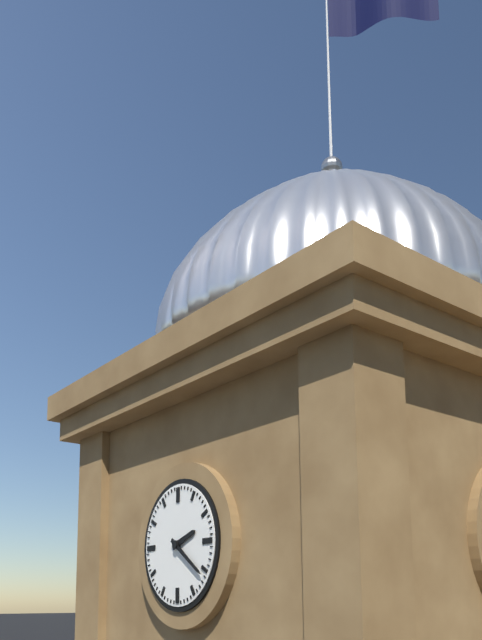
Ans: 2:21
